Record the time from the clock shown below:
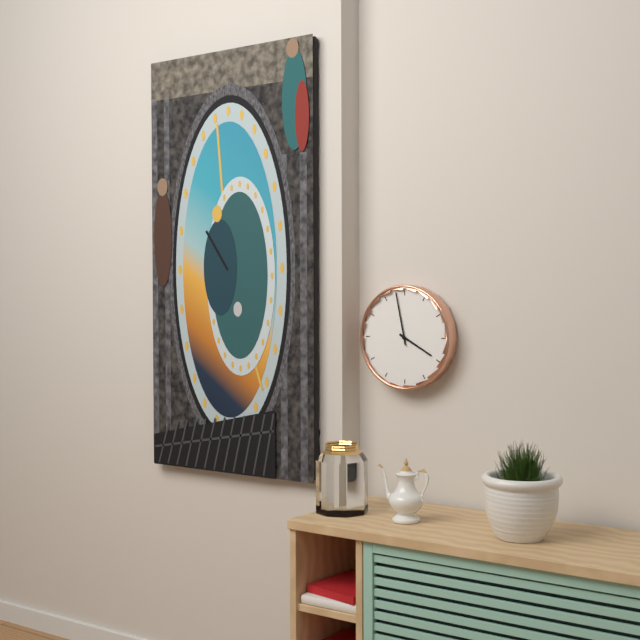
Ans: 3:58
